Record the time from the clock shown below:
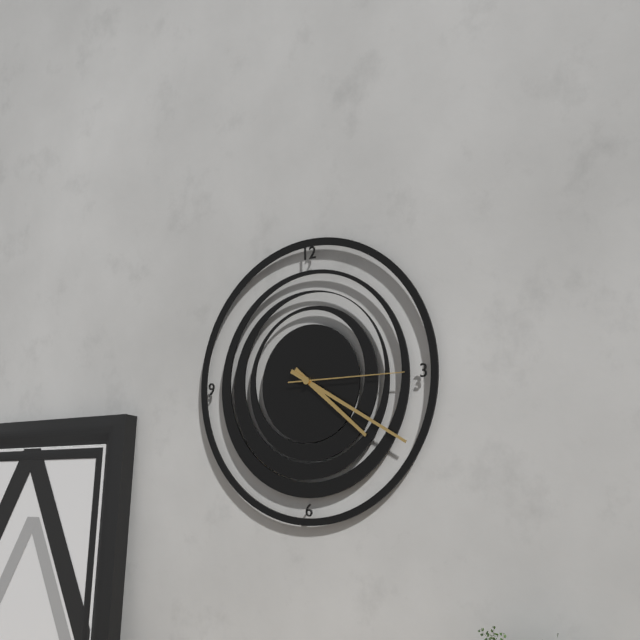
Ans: 4:20:15
